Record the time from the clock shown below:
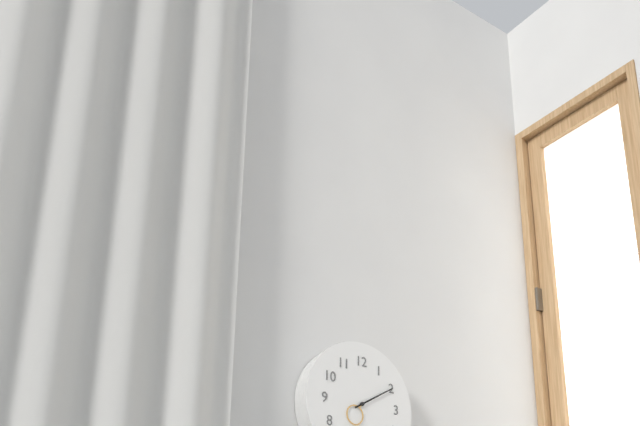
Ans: 7:10
